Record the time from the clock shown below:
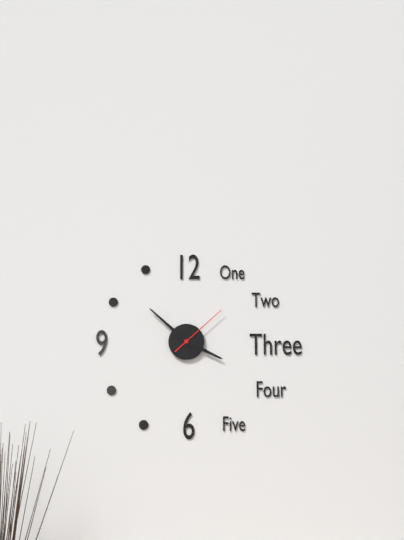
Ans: 3:52:08
